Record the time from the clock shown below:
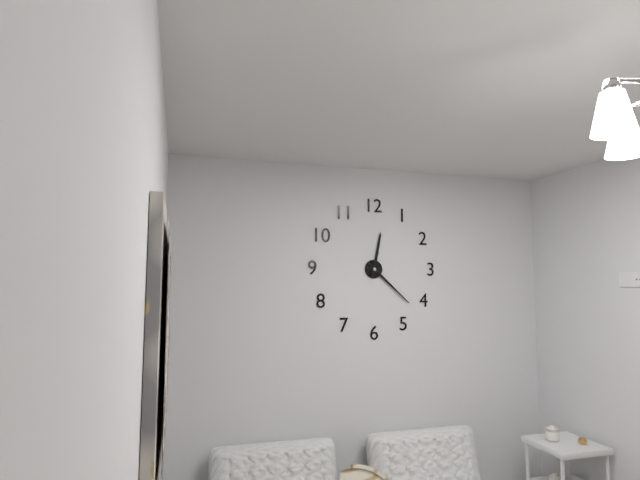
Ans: 12:22
